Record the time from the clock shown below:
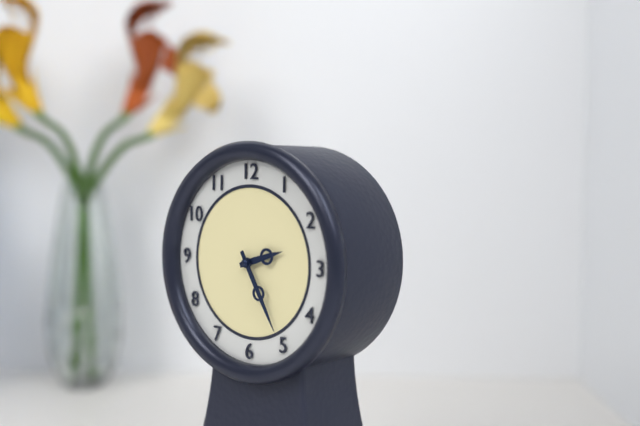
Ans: 2:25
